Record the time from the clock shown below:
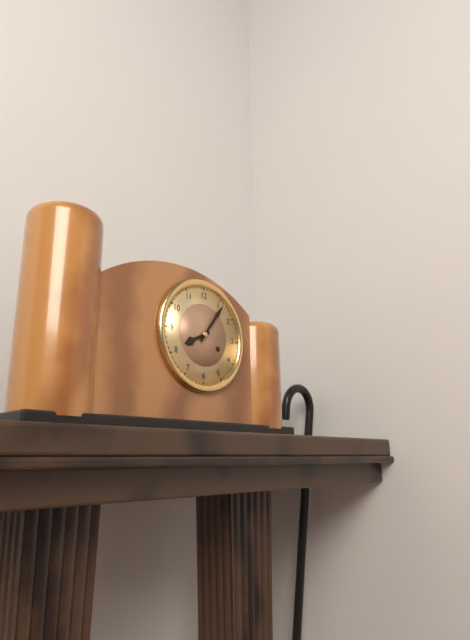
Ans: 8:06
